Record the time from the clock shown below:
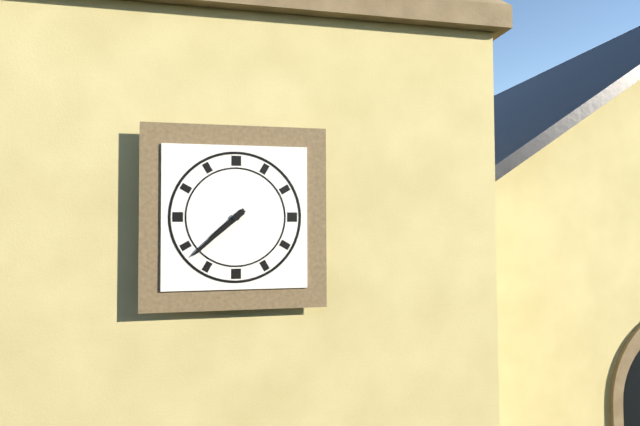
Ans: 7:38
